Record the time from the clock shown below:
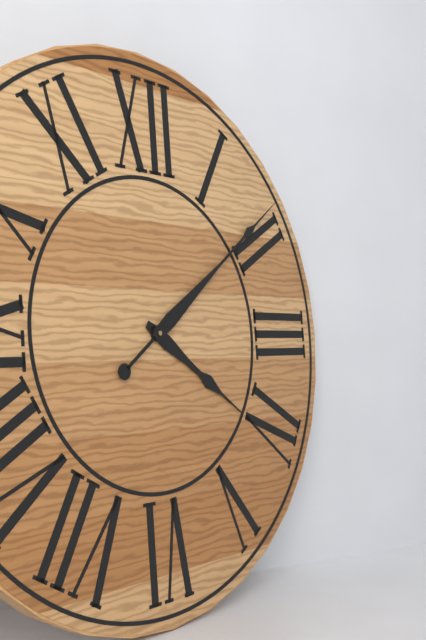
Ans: 4:09
